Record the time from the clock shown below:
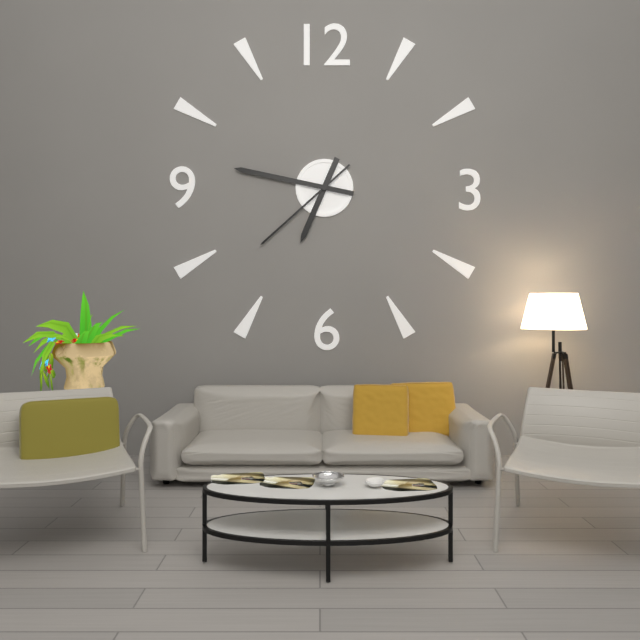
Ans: 6:47:38
